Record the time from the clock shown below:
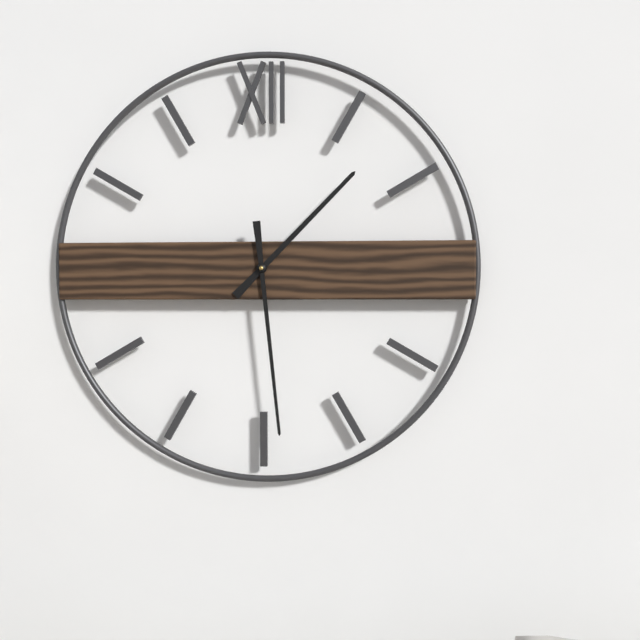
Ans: 1:29
